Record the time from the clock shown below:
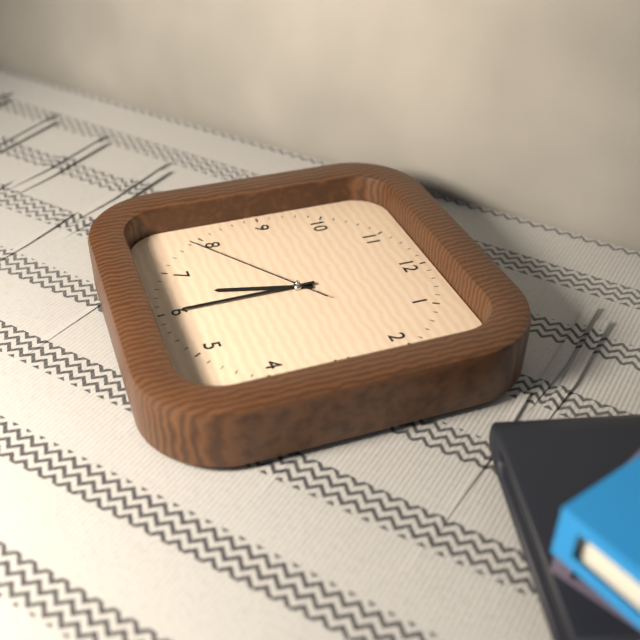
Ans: 6:30:39
